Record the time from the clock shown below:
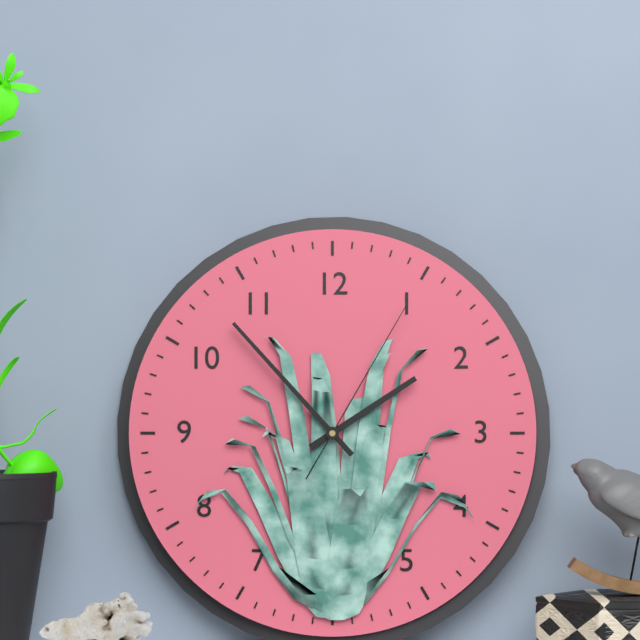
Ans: 1:53:05
